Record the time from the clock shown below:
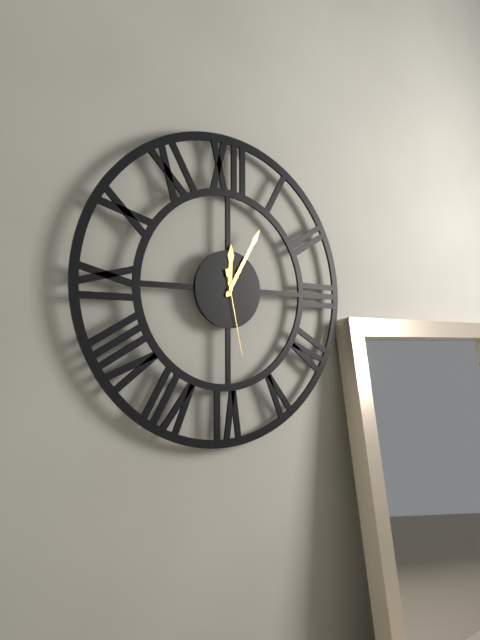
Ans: 12:05:28
